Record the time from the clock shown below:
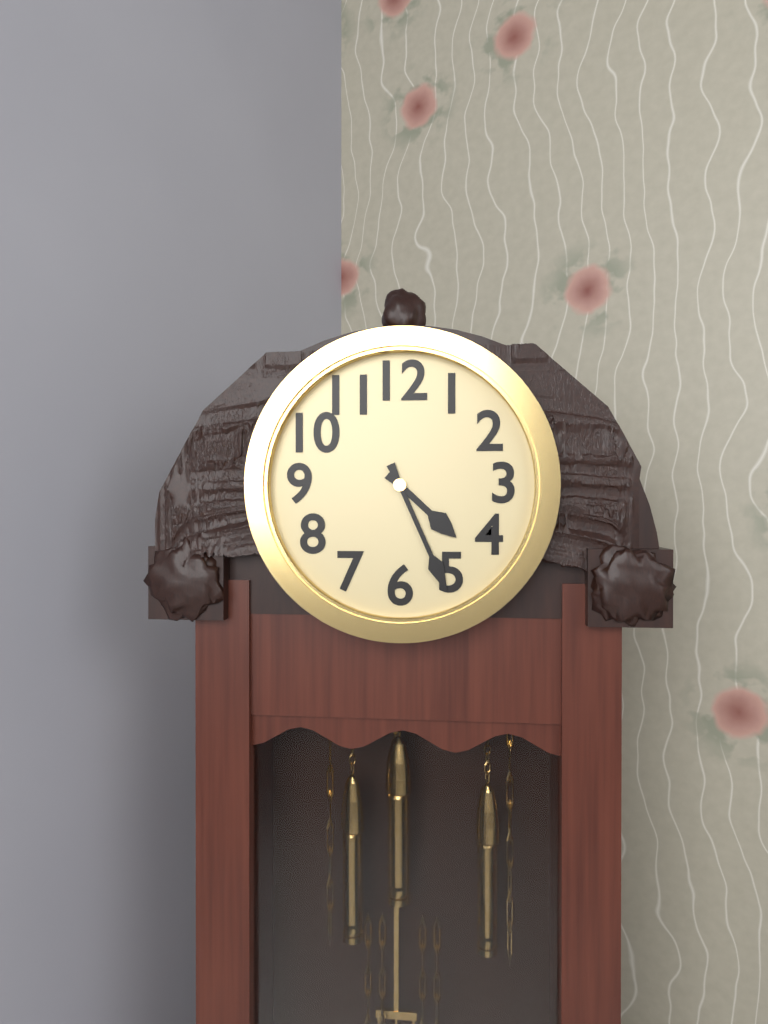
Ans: 4:26
